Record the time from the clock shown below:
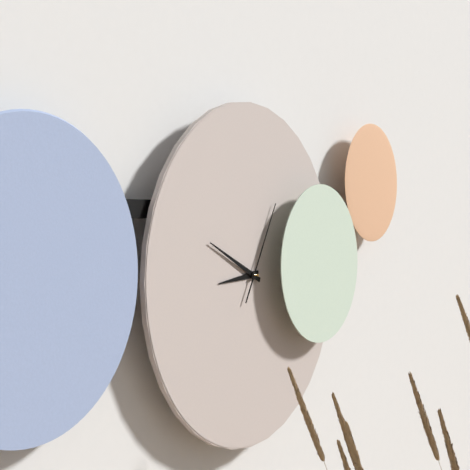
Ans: 8:49:05
